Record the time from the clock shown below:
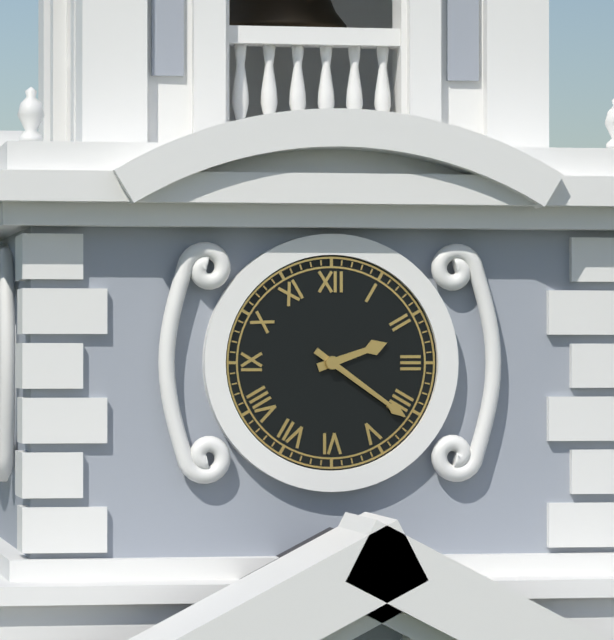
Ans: 2:21
